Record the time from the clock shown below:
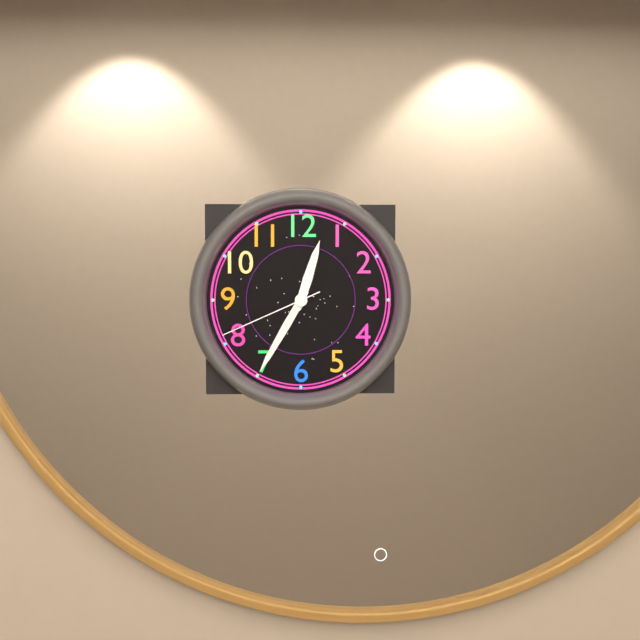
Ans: 12:35:41
